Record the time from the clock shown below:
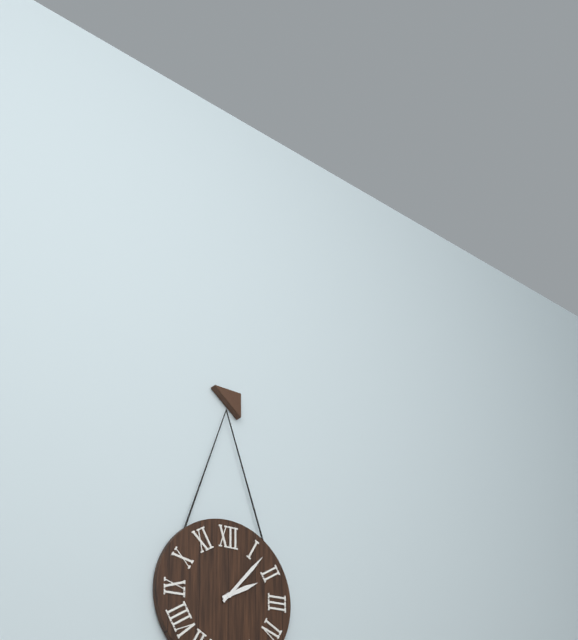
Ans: 2:07
